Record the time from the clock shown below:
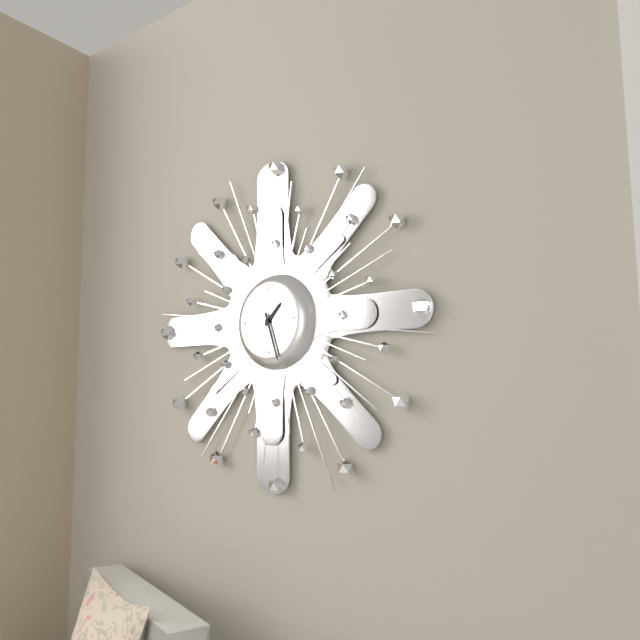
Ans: 1:27
